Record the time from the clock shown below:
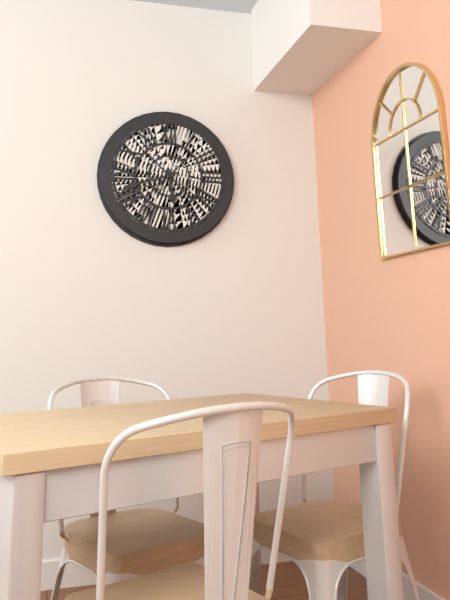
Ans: 5:42
